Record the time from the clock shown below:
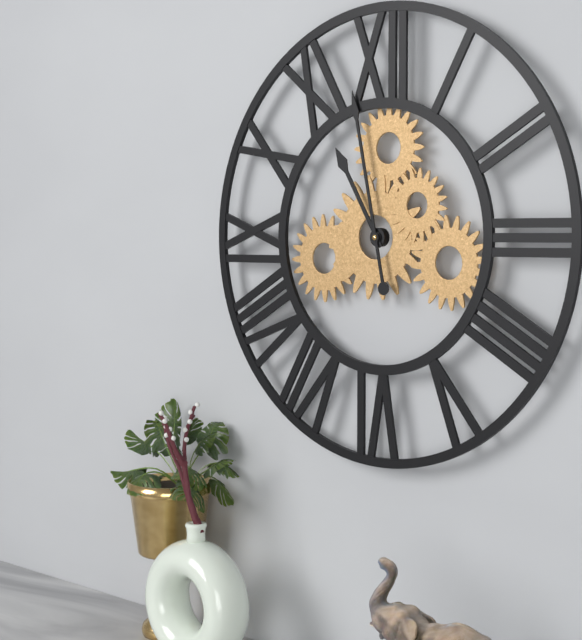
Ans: 10:58
